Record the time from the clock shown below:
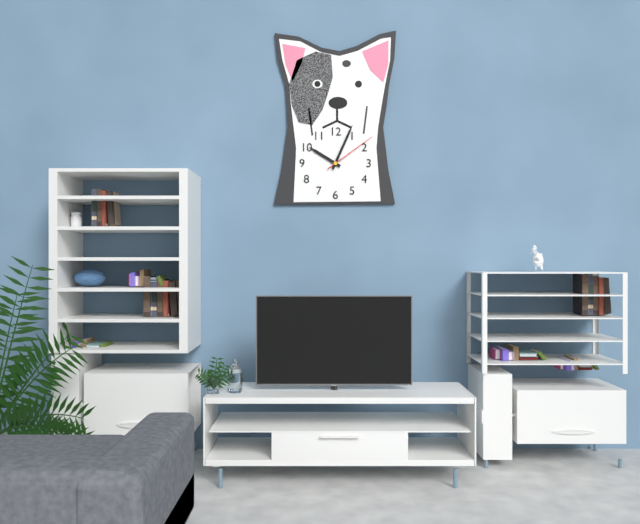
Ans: 10:04:09
